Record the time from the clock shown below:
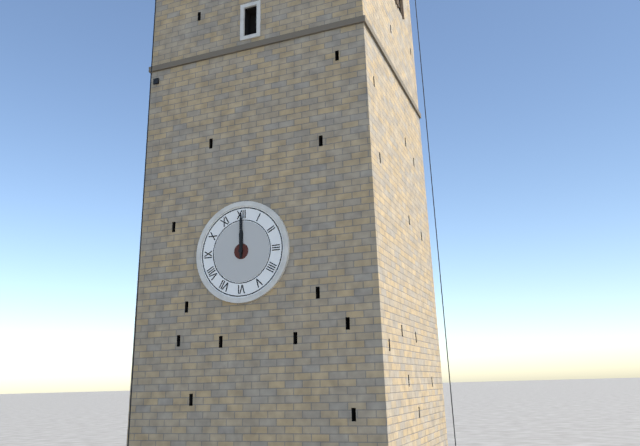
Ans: 12:00
